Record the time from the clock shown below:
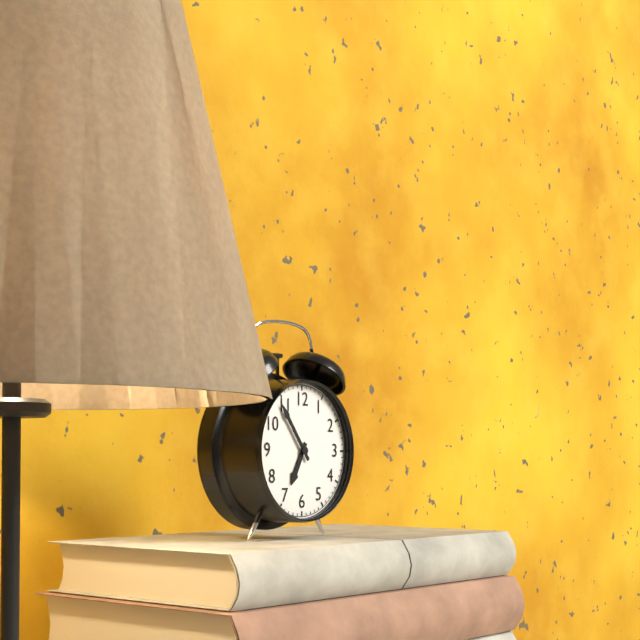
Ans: 6:54
